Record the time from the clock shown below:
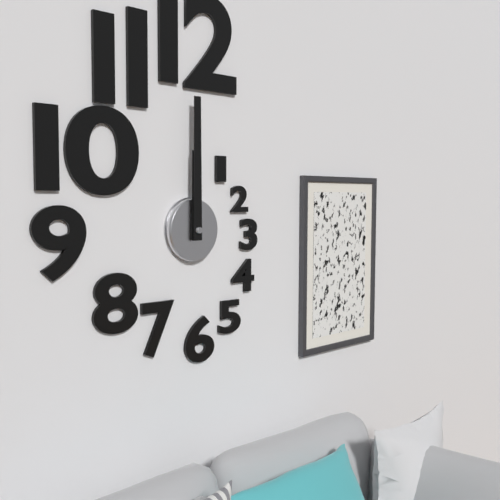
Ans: 12:00
